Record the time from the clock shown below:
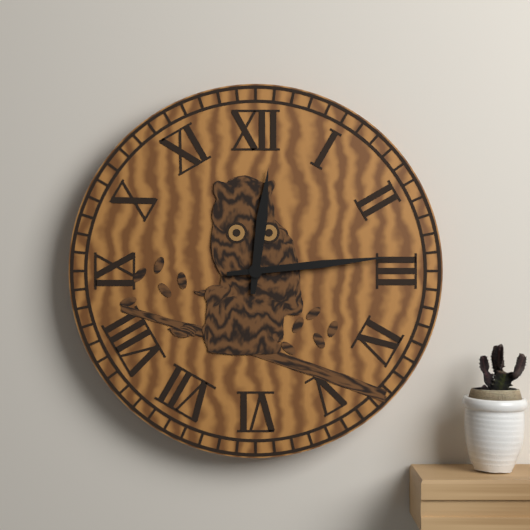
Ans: 12:14
